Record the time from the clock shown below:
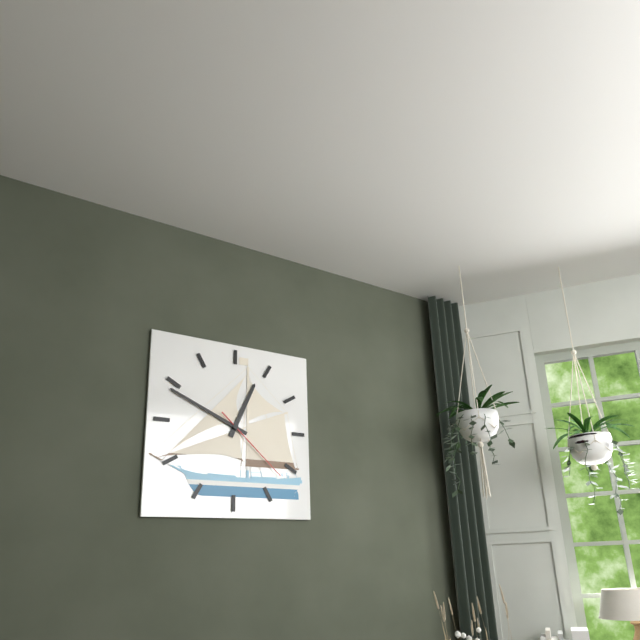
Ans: 12:49:22
